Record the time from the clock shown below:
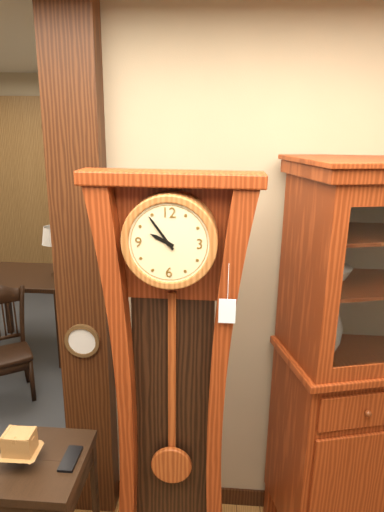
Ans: 9:54
